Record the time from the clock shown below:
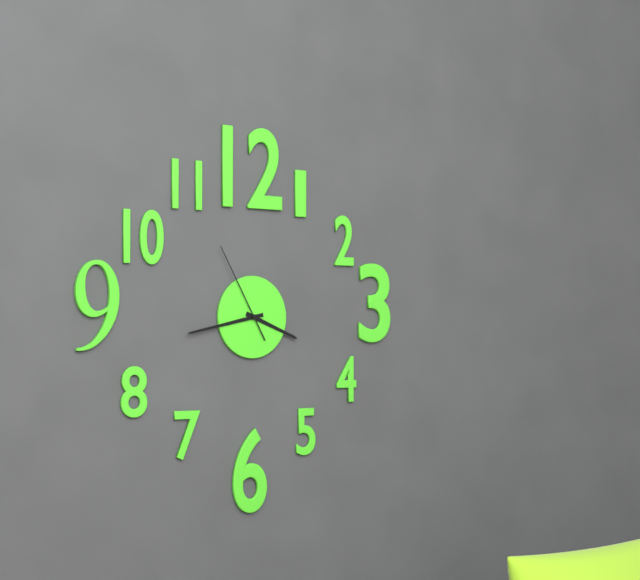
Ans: 3:43:55
